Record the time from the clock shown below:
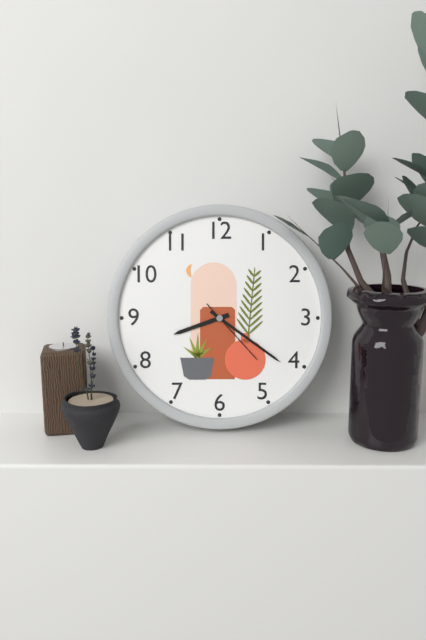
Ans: 8:21:23
